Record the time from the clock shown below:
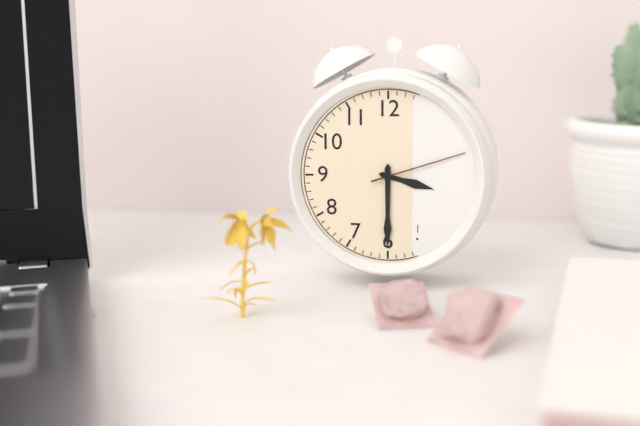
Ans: 3:30:12
